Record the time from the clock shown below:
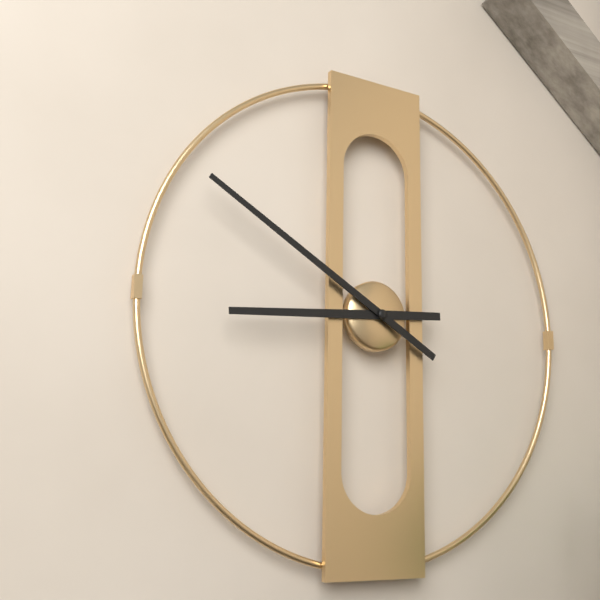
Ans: 8:50
